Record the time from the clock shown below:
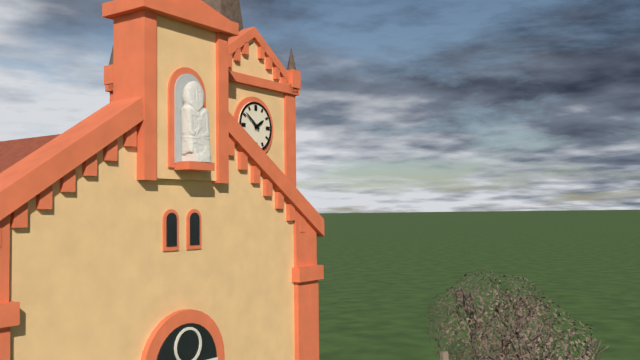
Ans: 1:51
